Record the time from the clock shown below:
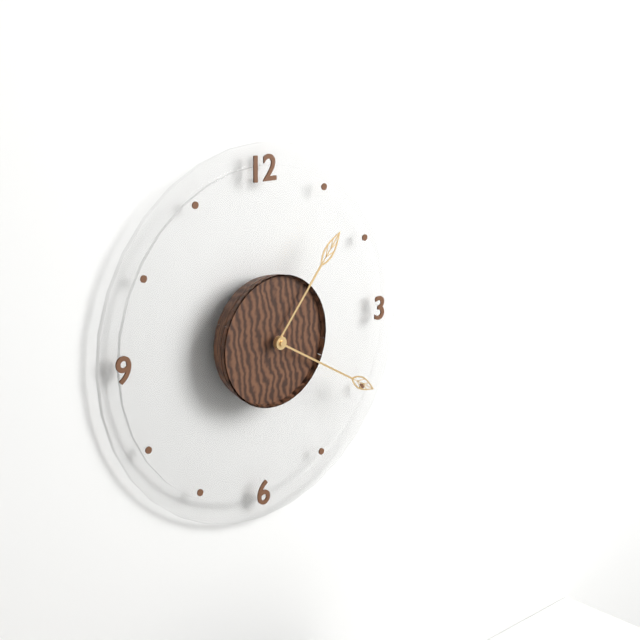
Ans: 1:20
